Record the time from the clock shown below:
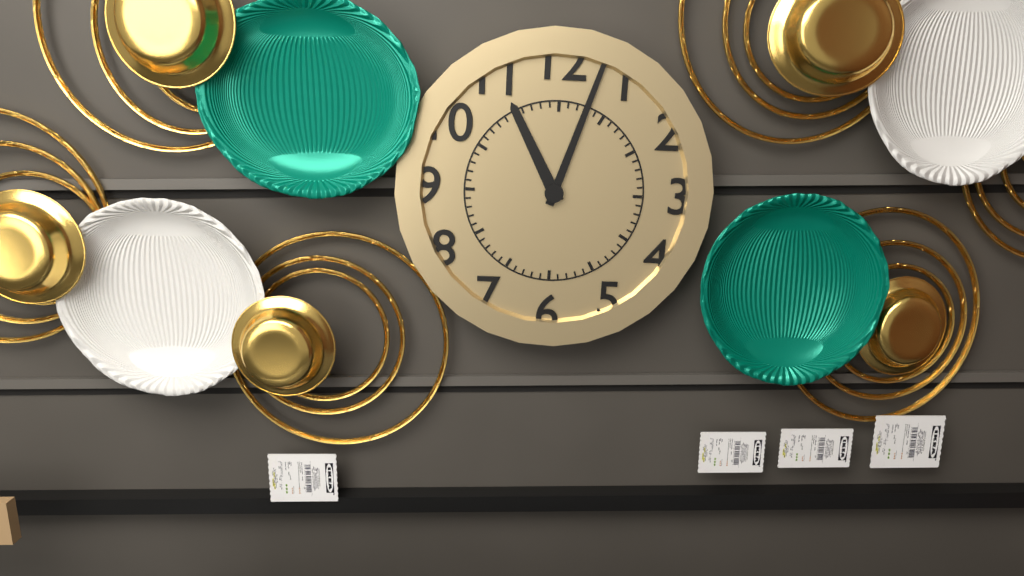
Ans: 11:03
